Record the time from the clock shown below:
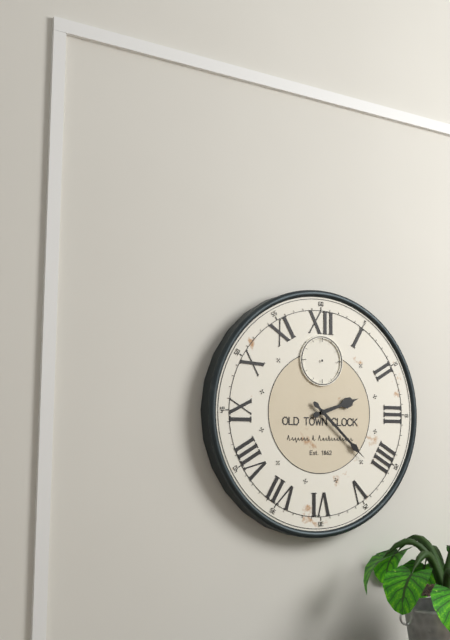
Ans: 2:22
